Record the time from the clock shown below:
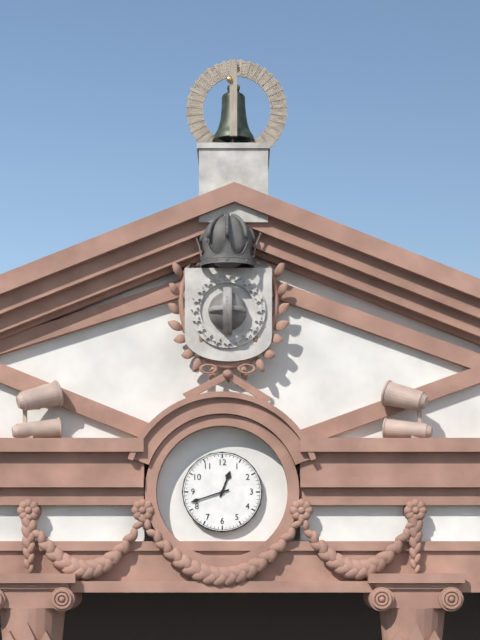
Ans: 12:42
